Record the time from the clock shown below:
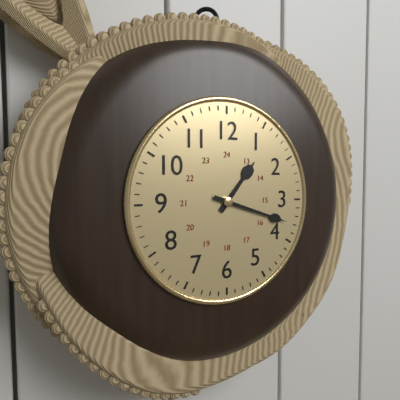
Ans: 1:18
